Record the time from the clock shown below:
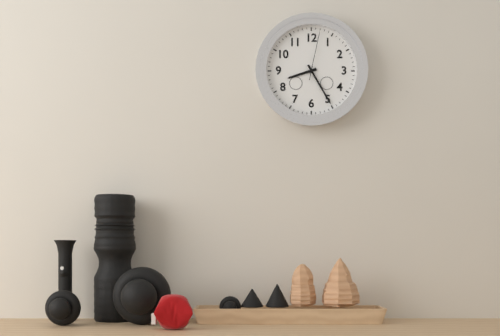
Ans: 8:25:02
